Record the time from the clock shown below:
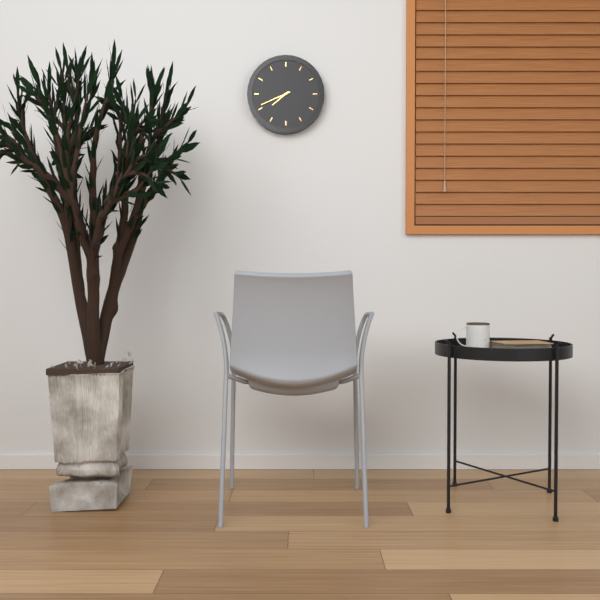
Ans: 7:41
